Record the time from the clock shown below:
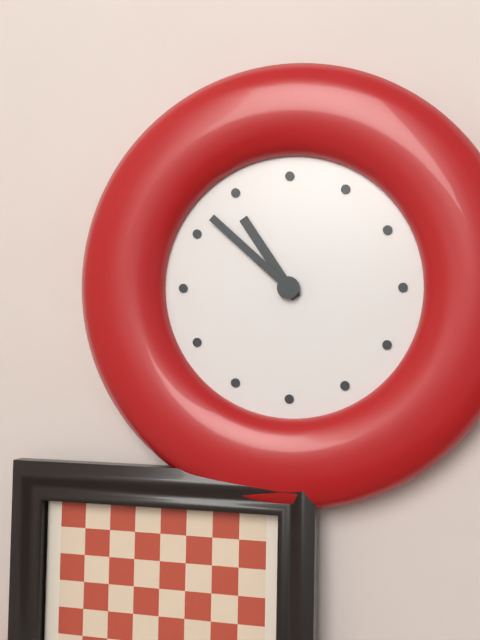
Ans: 10:52
